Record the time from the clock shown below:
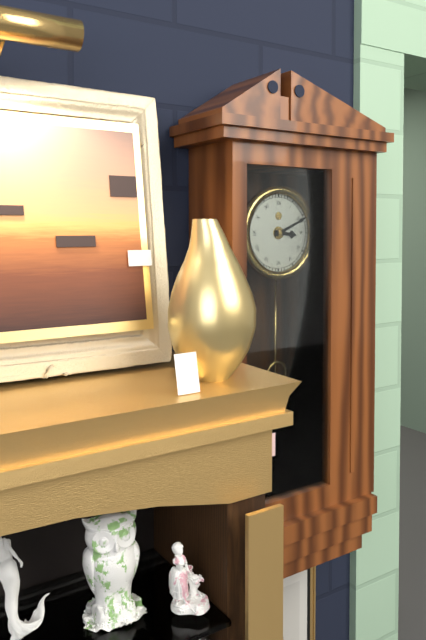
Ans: 3:11
